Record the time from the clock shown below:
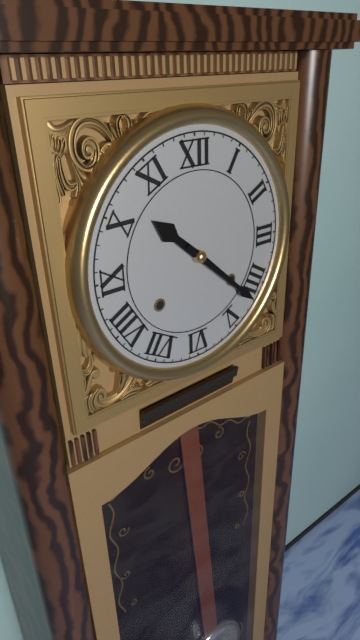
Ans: 10:22
